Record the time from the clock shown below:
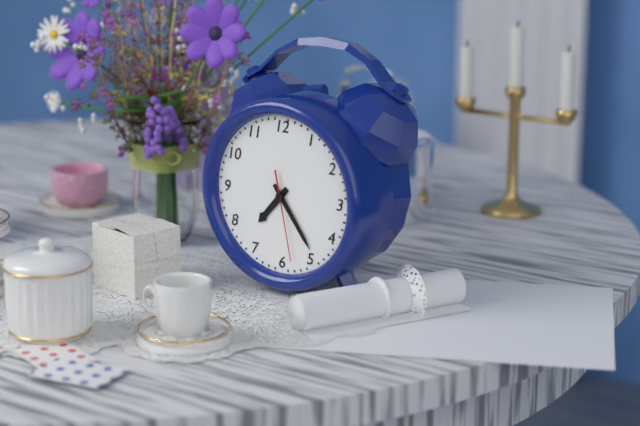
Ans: 7:24:28
